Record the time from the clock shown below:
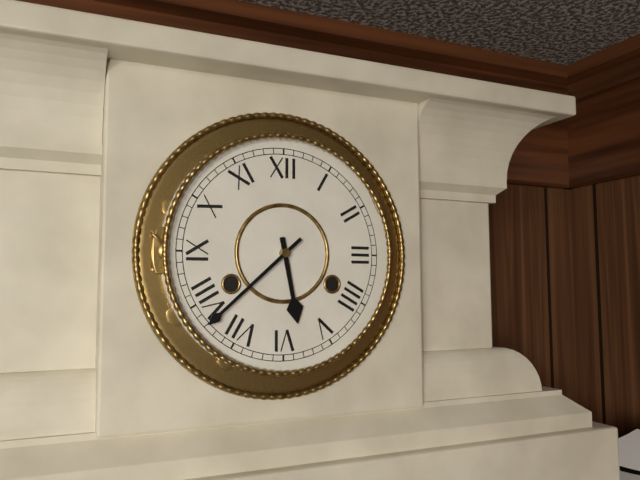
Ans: 5:38
